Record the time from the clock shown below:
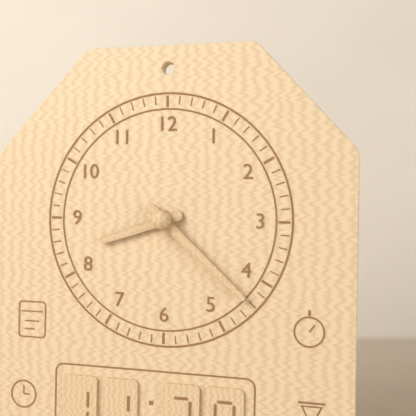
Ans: 8:22
